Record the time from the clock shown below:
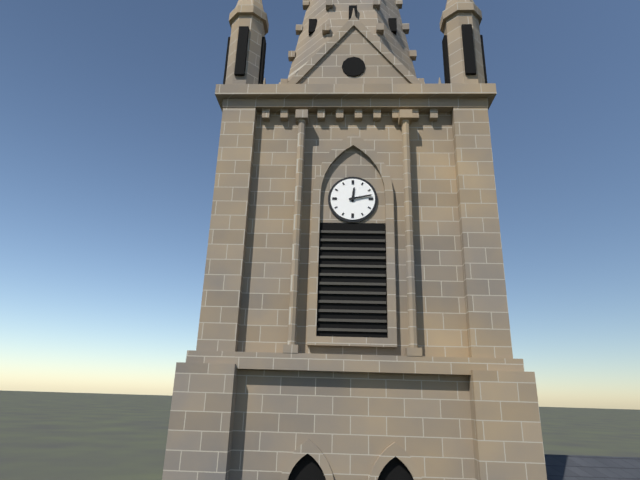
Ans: 12:13
